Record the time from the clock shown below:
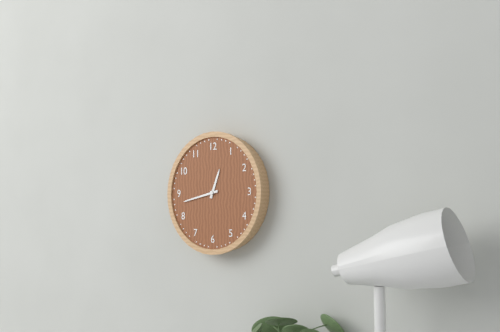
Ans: 12:43
